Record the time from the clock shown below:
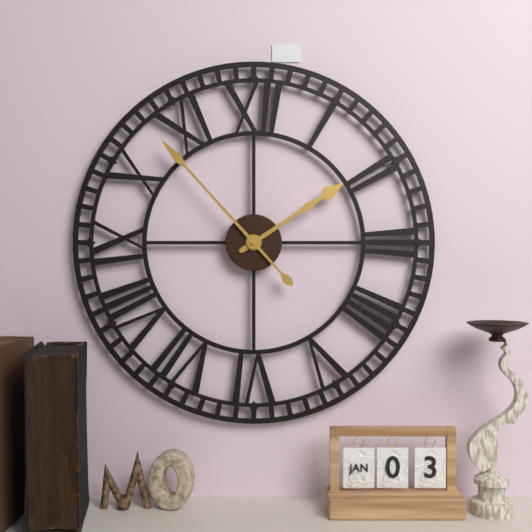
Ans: 1:53
